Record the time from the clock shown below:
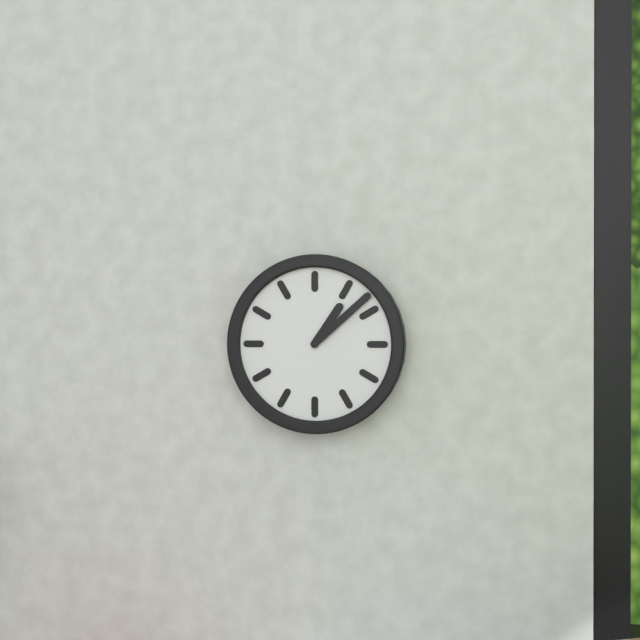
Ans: 1:08
